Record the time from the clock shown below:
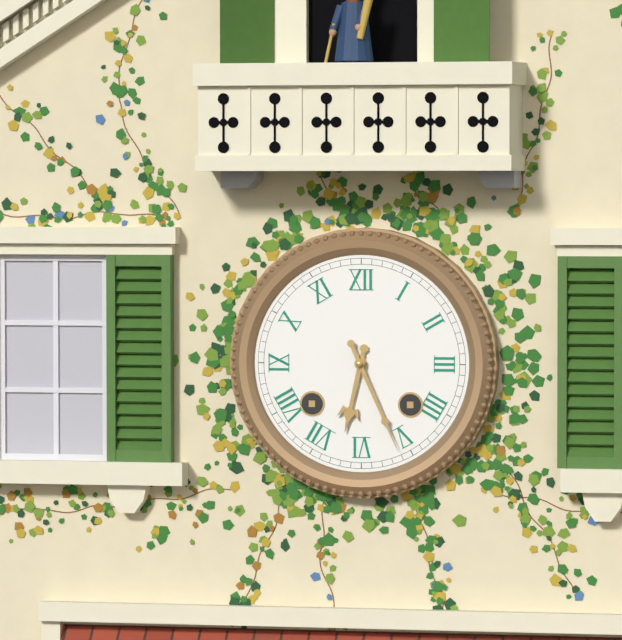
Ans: 6:26
